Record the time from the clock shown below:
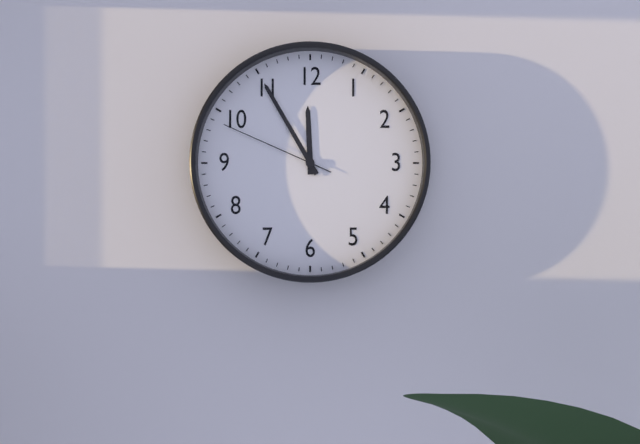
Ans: 11:55:49
